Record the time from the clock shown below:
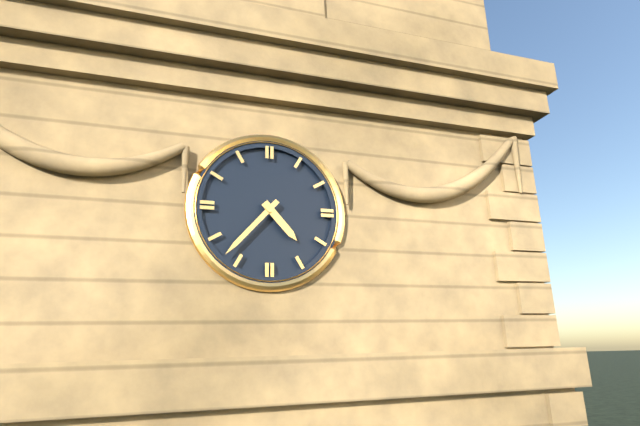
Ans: 4:37
